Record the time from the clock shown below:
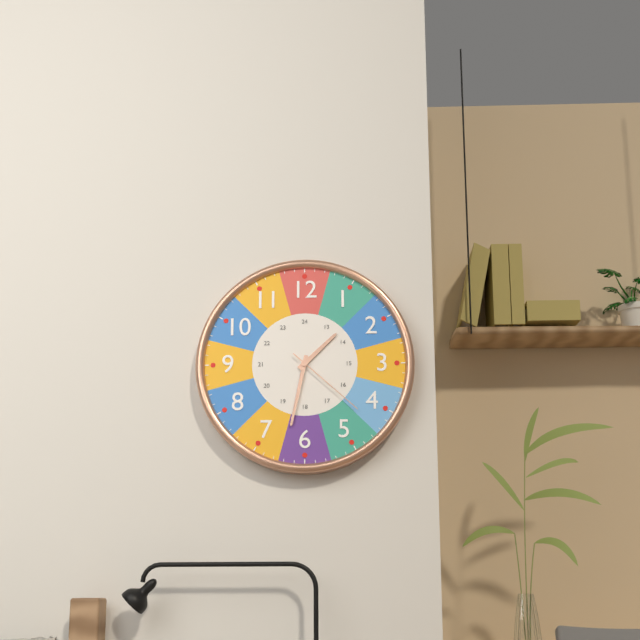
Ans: 1:32:22
